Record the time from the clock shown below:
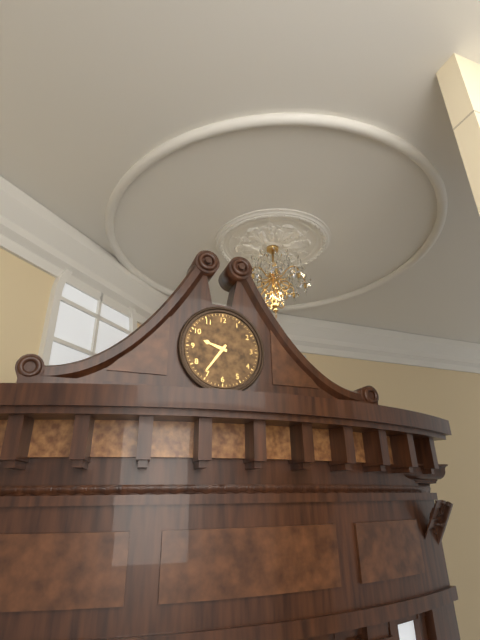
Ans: 9:36
